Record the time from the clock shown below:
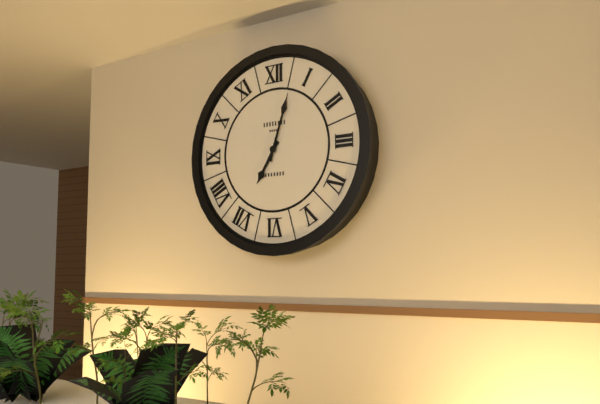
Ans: 7:03
